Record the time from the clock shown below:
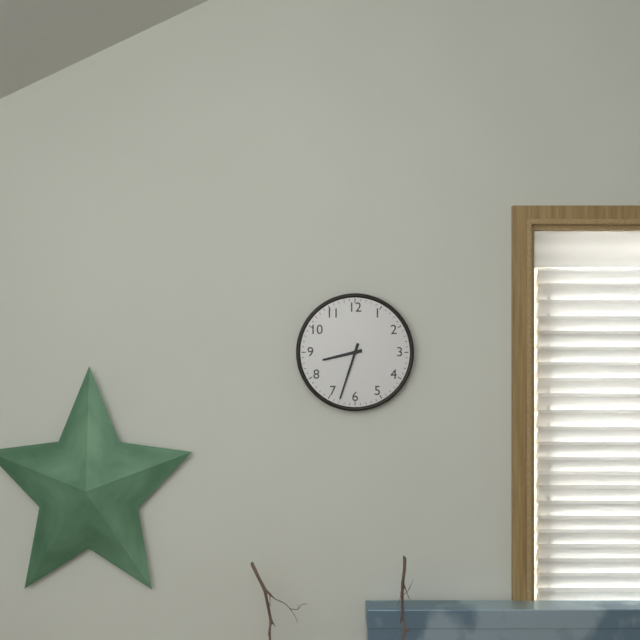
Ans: 8:33
